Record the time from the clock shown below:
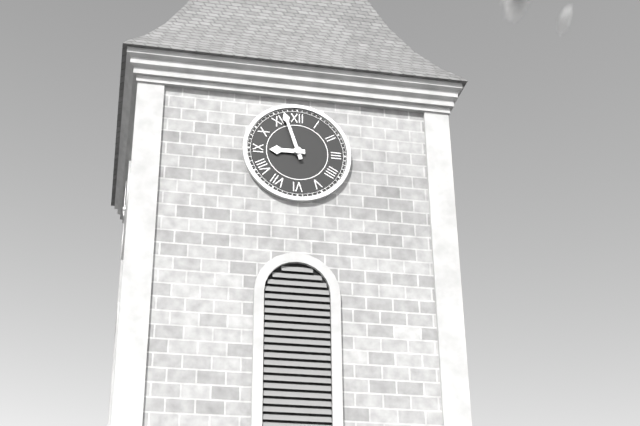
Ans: 8:57
